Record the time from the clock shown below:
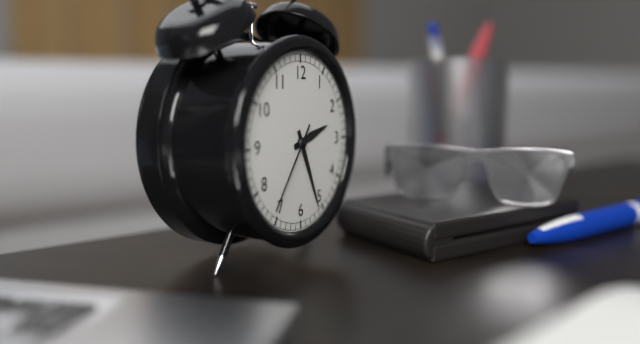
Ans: 2:26:36
